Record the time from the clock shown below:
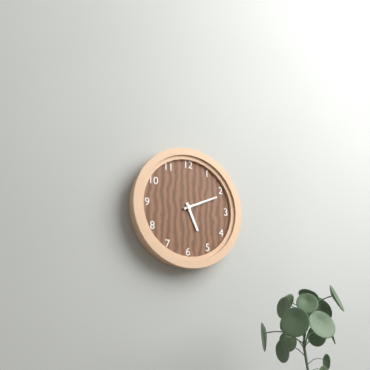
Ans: 5:11
